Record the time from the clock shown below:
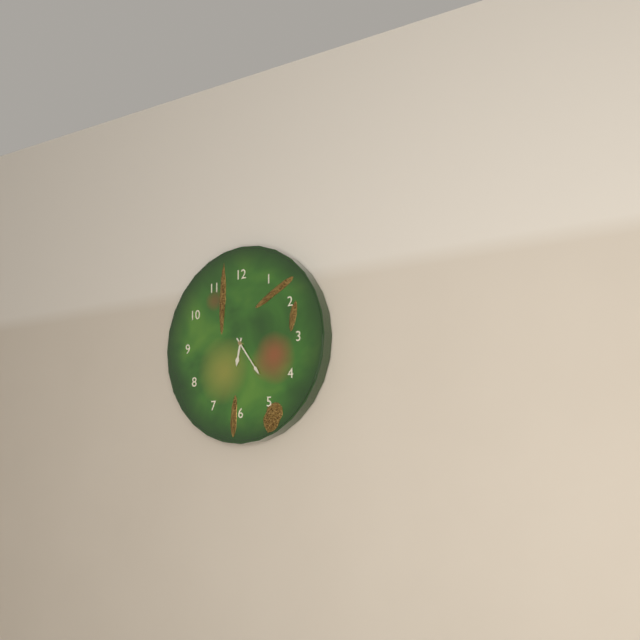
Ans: 6:24
